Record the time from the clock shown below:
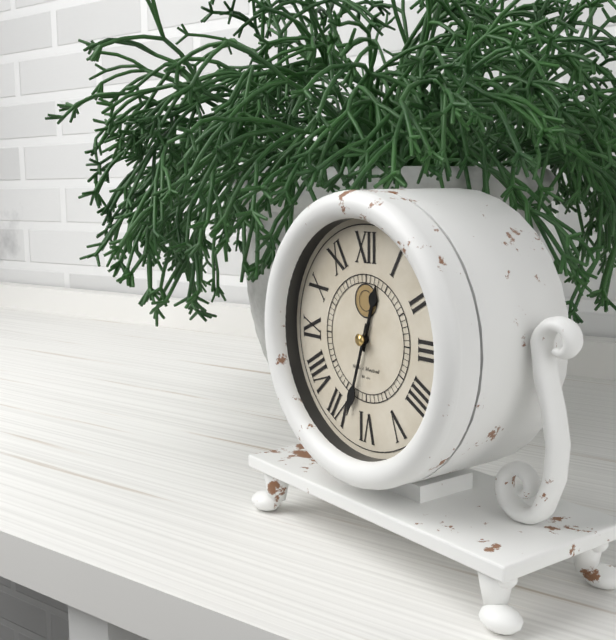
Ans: 12:33
